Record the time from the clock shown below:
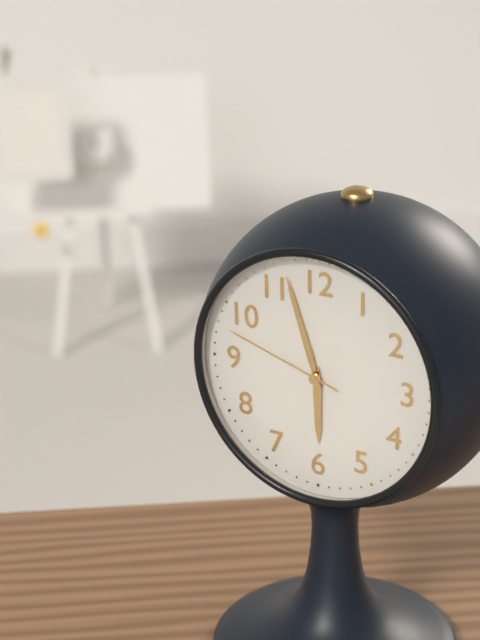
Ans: 5:57:48
